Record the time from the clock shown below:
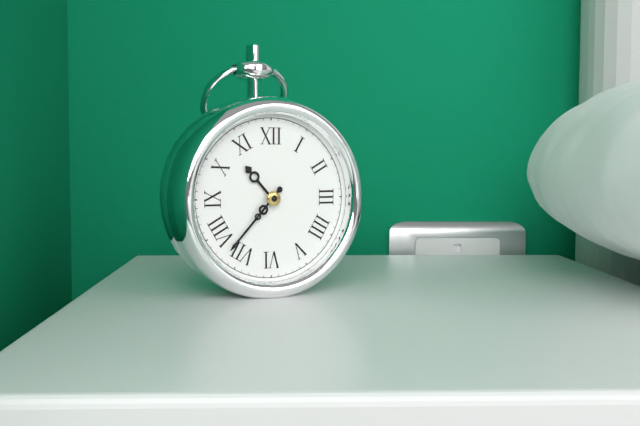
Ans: 10:37
